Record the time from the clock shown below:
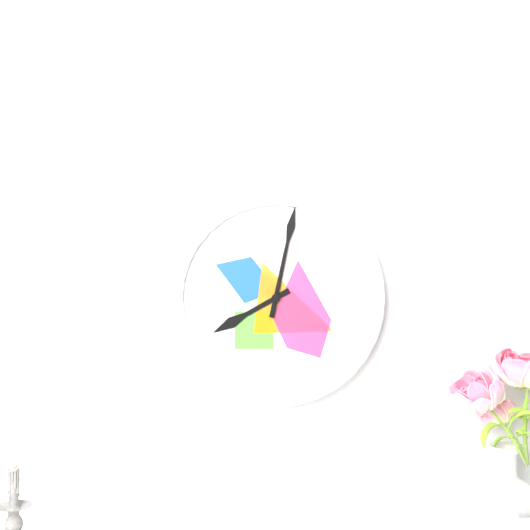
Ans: 8:02
